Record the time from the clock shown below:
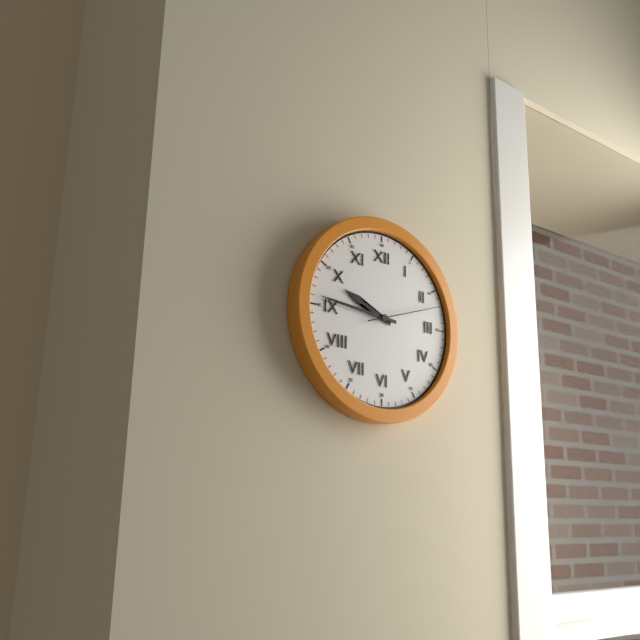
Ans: 9:46:12
